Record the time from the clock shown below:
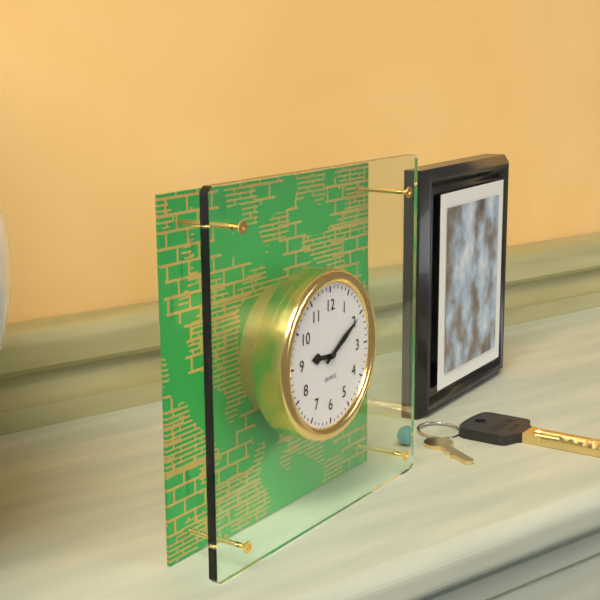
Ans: 9:10
